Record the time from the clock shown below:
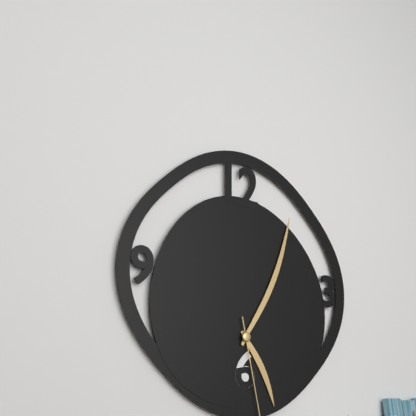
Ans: 5:04
